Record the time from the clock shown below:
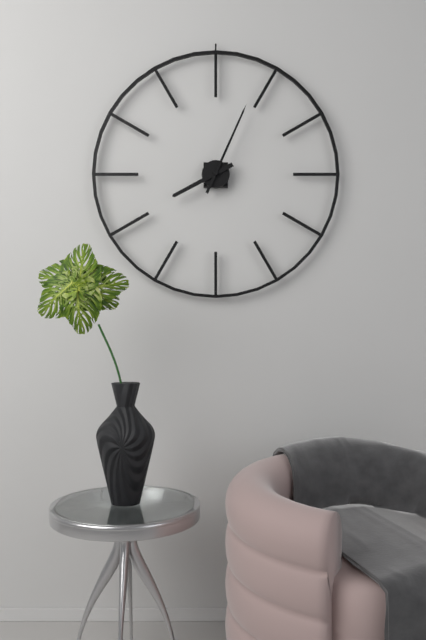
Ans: 8:04
